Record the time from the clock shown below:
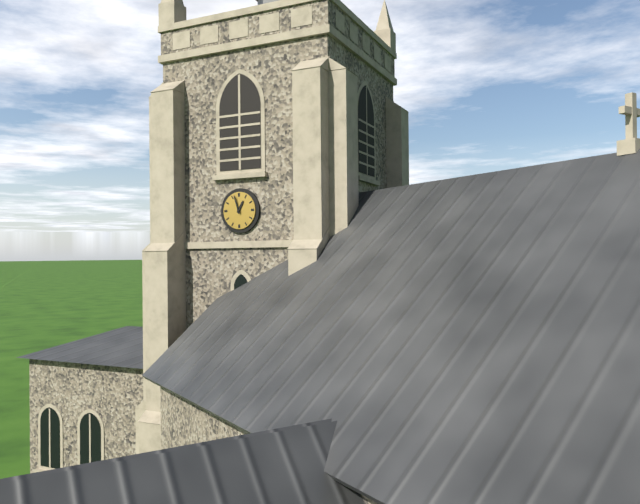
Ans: 12:57
